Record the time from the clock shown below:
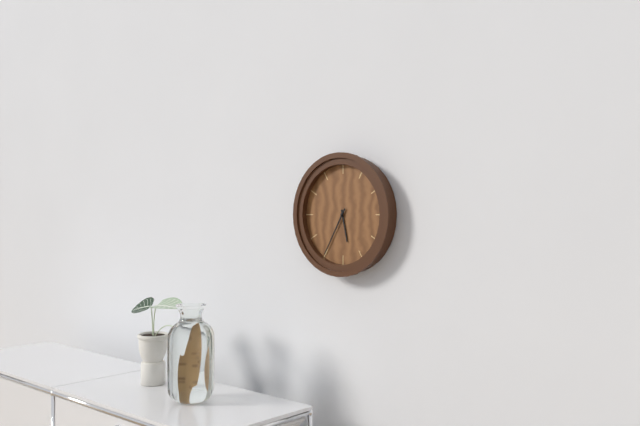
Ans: 5:35
